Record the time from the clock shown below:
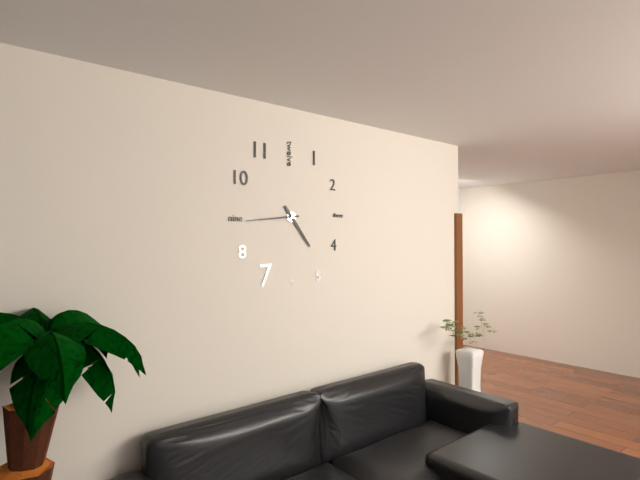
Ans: 4:44
